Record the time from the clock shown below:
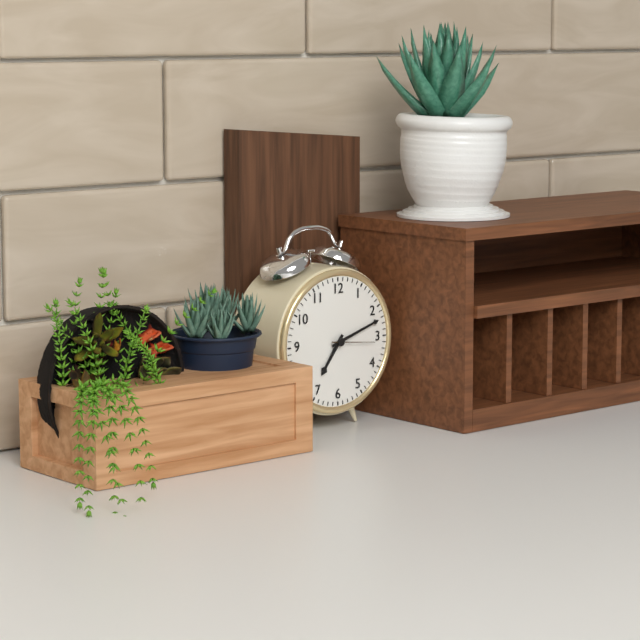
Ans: 7:12
